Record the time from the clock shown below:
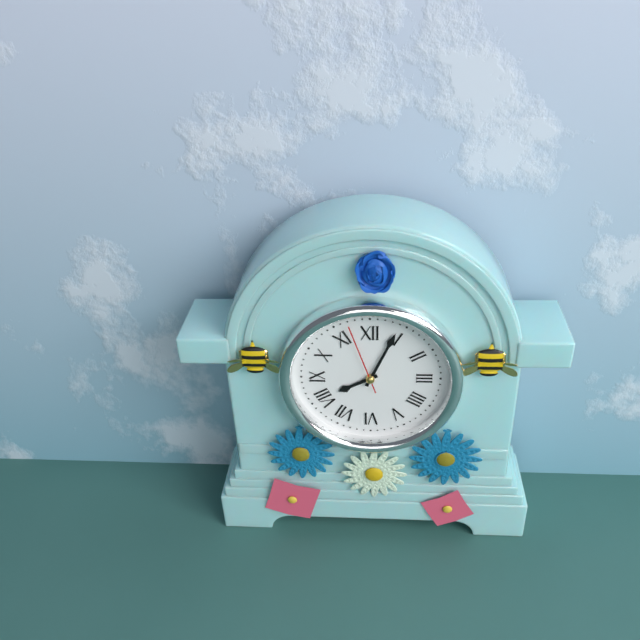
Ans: 8:04:57
